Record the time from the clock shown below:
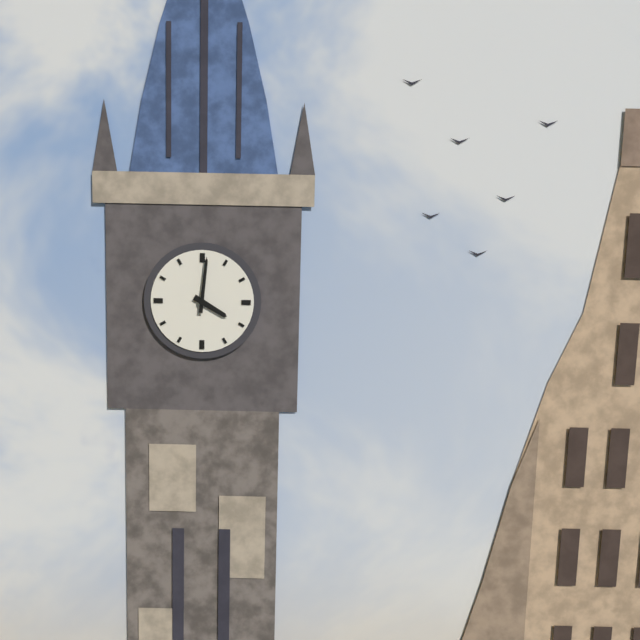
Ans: 4:01
